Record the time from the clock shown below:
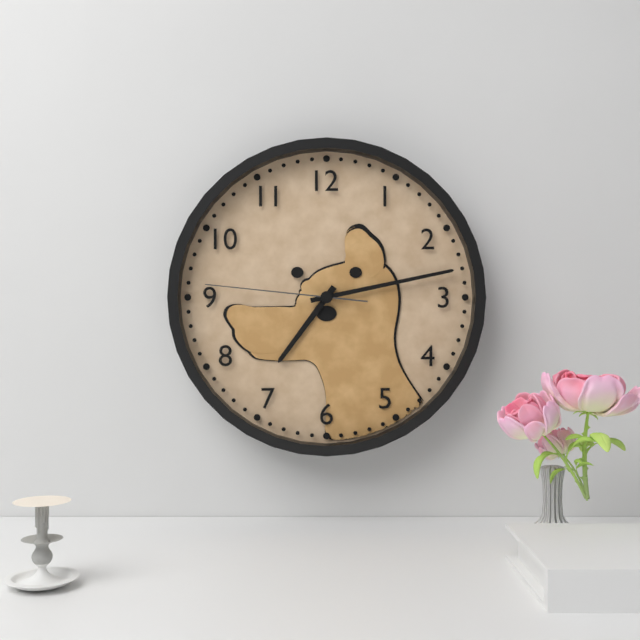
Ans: 7:13:46
